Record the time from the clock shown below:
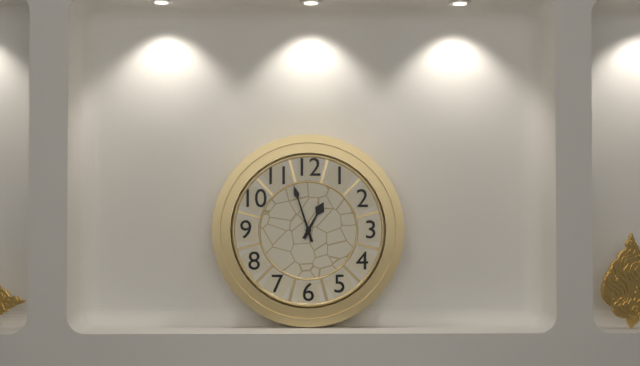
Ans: 12:57
